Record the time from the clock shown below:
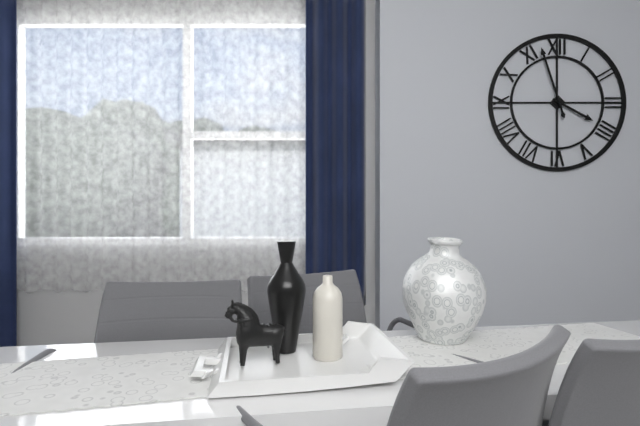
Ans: 3:57
